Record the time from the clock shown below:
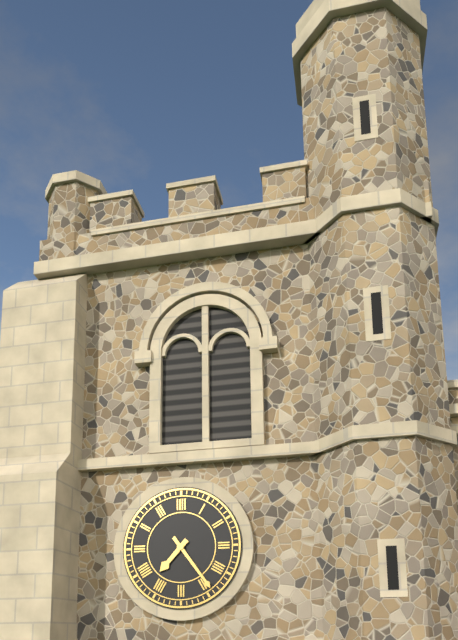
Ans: 7:24
